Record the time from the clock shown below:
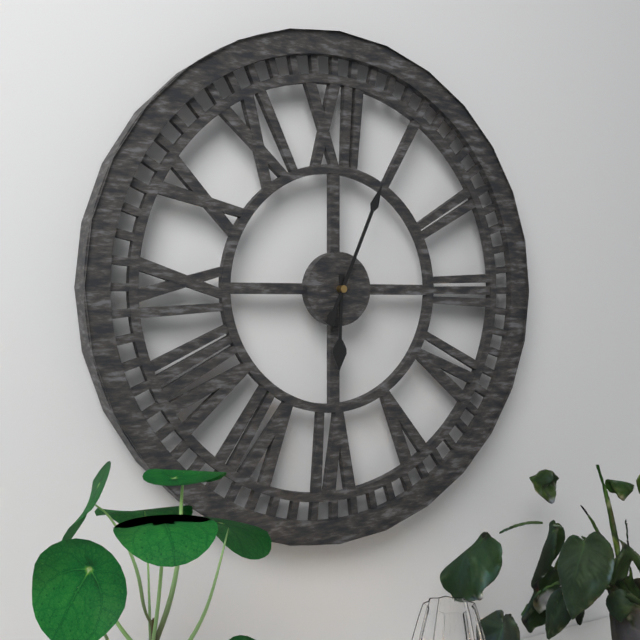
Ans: 6:04
